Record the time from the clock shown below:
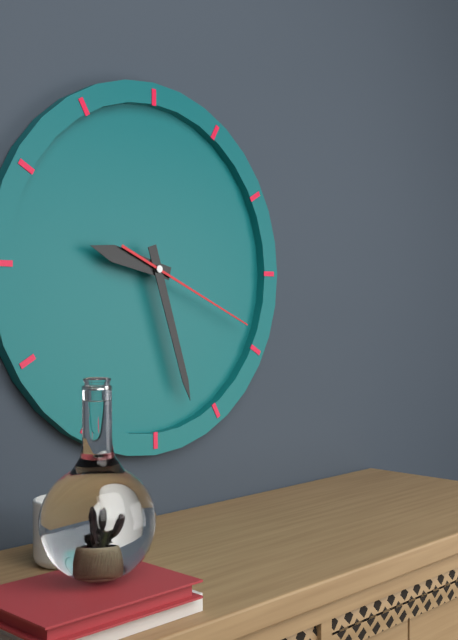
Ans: 9:27:19
